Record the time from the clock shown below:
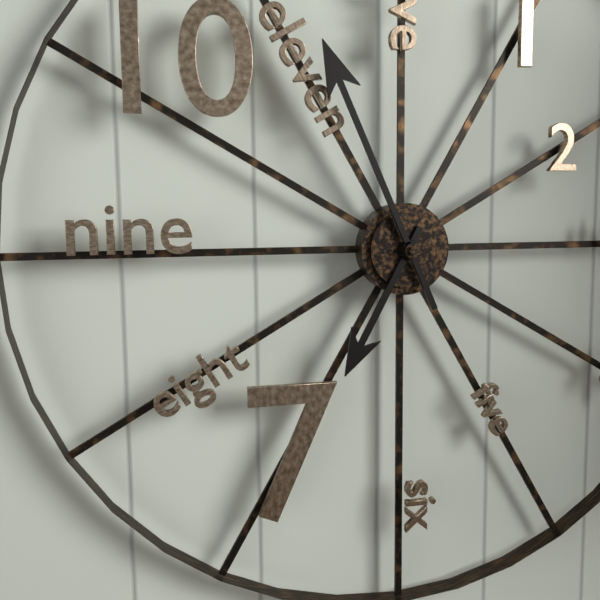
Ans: 6:56
